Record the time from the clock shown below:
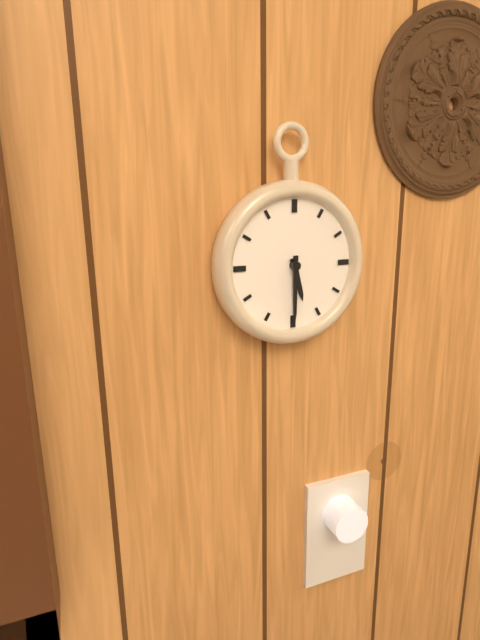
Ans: 5:30
